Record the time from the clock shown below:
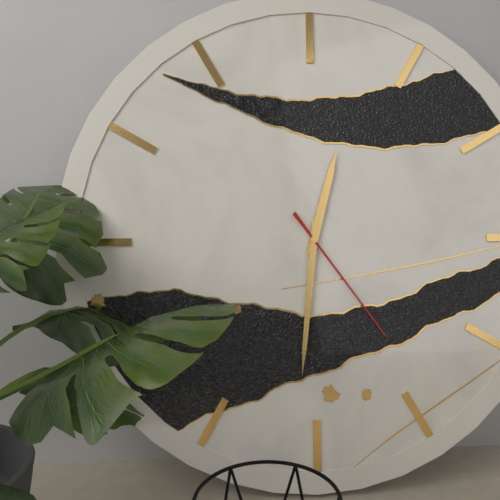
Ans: 12:31:24
